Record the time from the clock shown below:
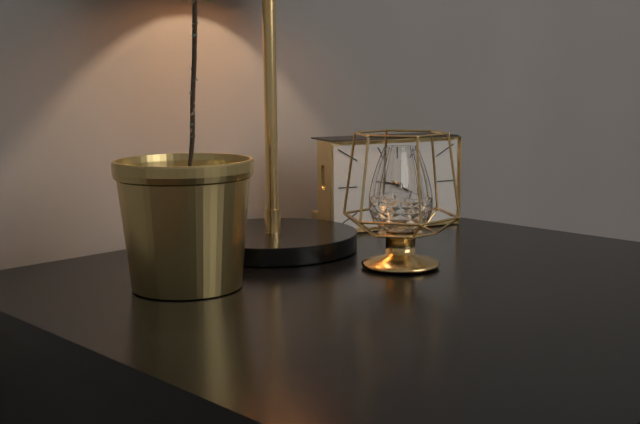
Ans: 9:20
